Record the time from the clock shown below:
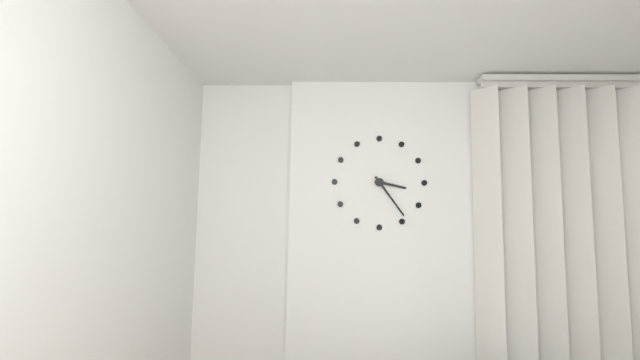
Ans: 3:24
